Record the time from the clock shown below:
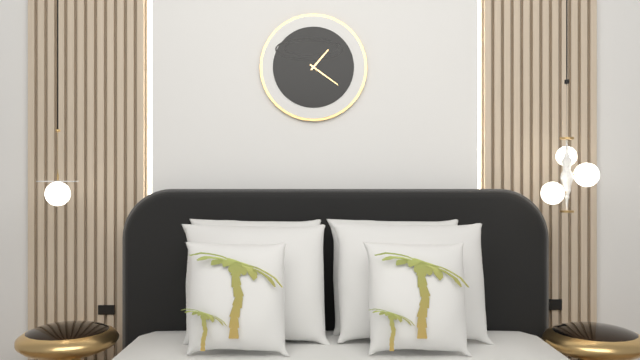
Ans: 1:21
